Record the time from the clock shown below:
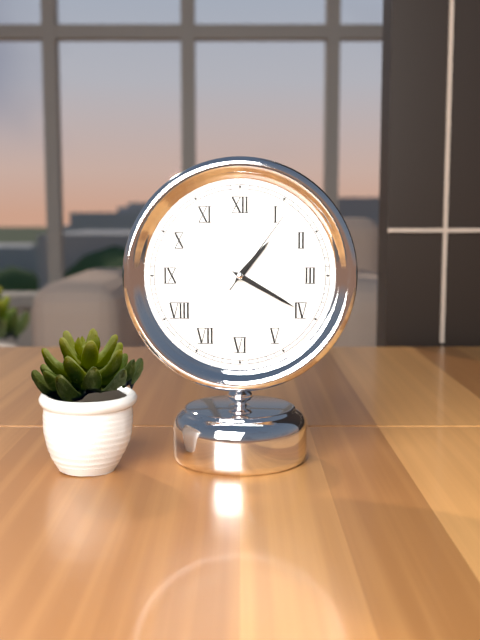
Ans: 1:20:06
